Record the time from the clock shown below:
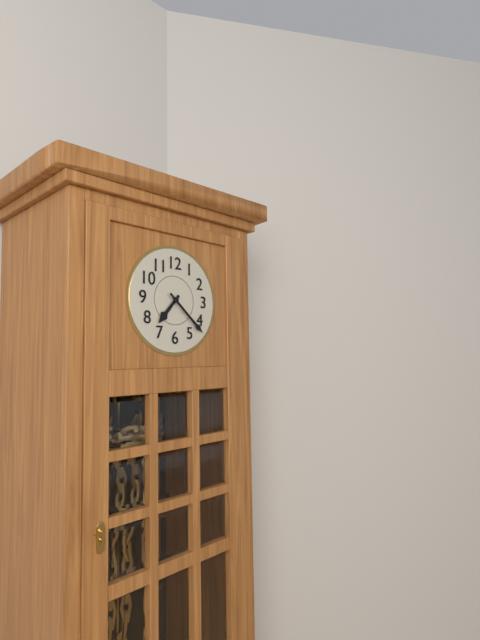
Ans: 7:22
